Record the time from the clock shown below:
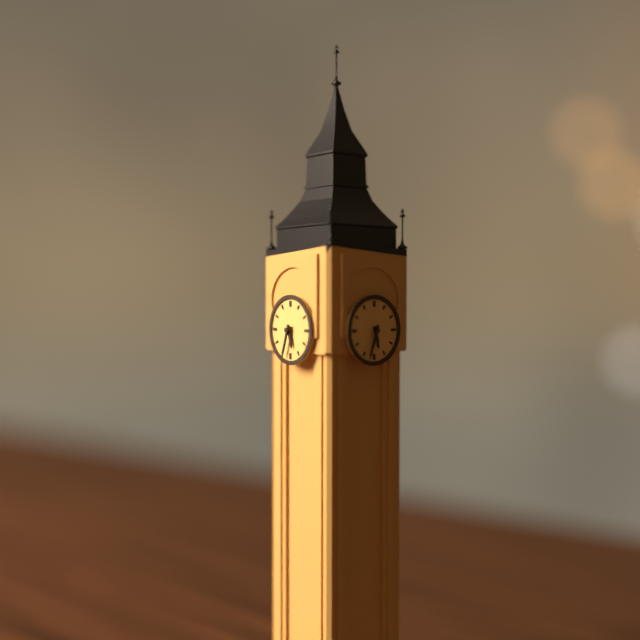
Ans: 5:33
